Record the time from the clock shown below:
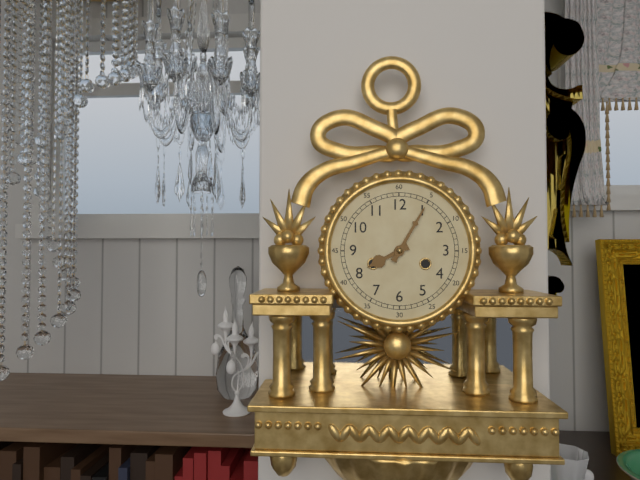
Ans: 8:05
